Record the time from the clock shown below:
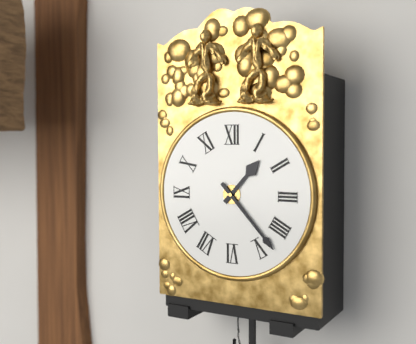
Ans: 1:23
